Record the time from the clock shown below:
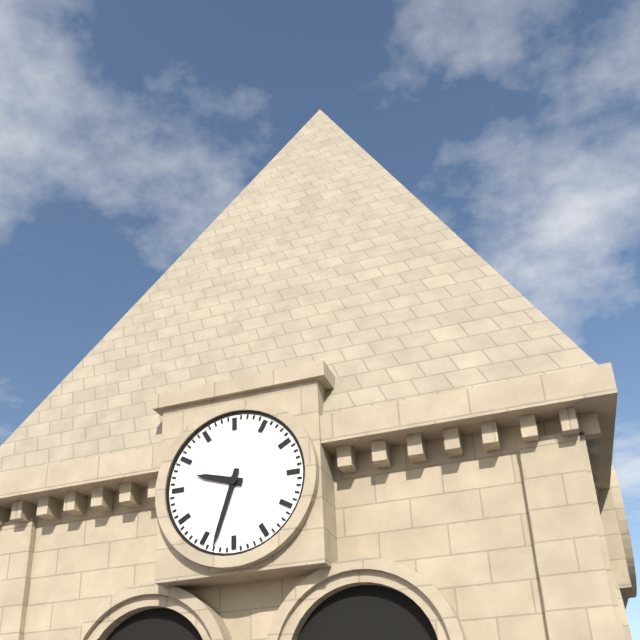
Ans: 9:33
